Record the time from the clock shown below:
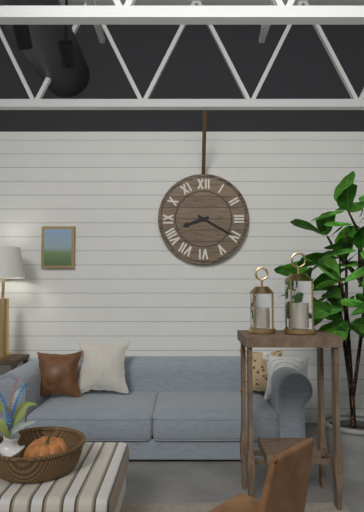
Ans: 8:20
